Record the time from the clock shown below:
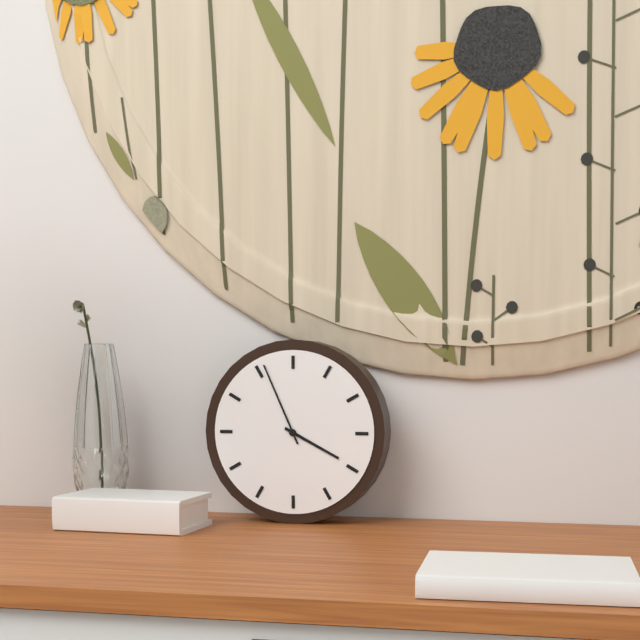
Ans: 3:56
